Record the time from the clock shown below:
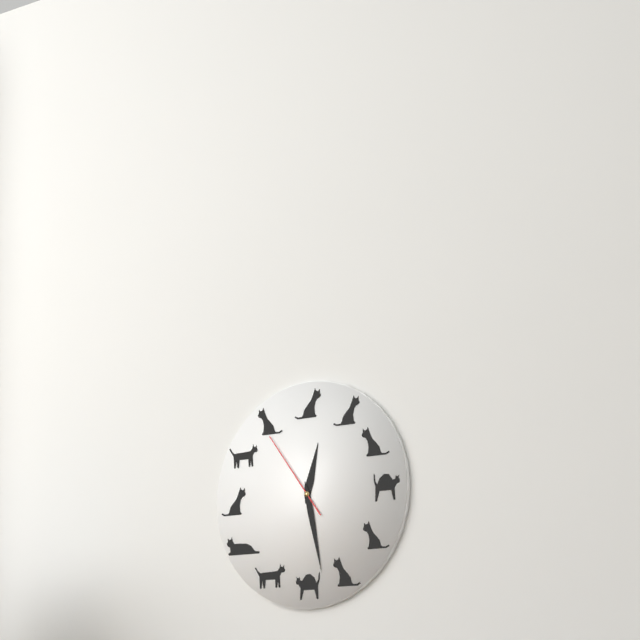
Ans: 12:28:54
